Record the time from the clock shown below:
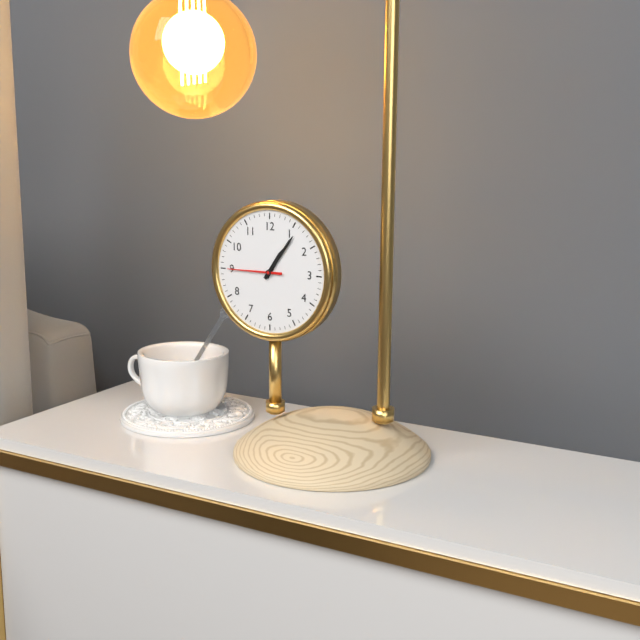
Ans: 1:06:45
